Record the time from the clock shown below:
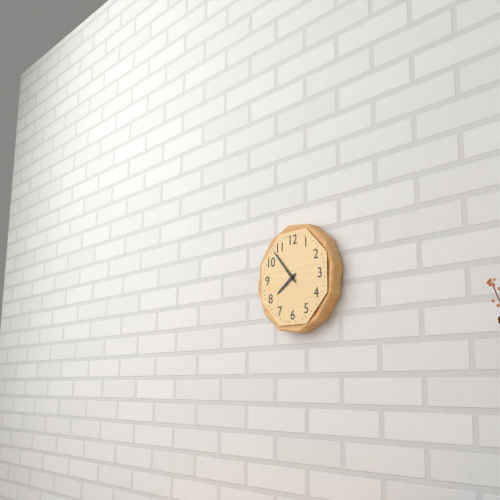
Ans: 7:53
